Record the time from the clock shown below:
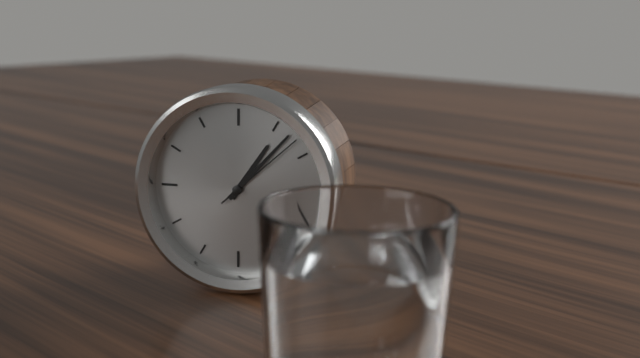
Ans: 1:07:08
